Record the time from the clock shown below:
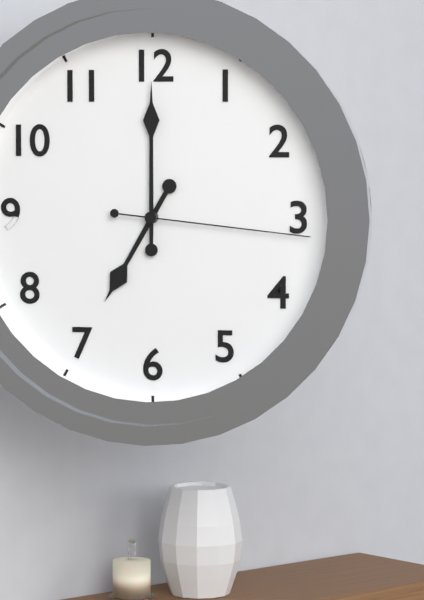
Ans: 7:00:16
